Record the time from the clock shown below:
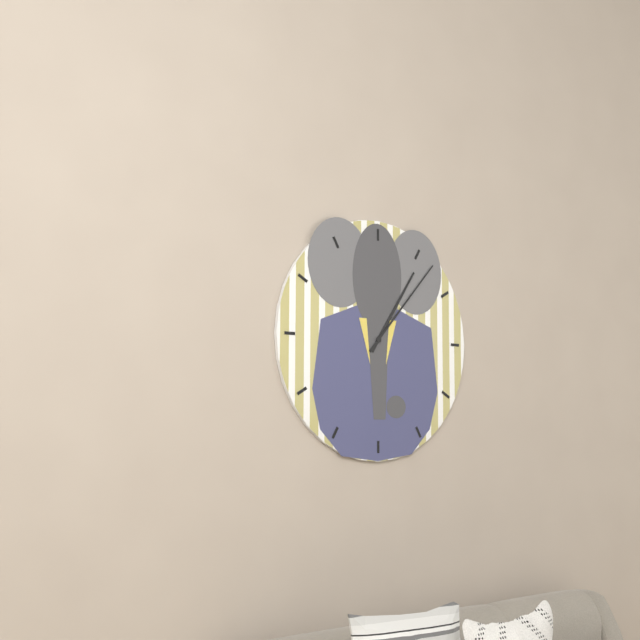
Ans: 1:07
